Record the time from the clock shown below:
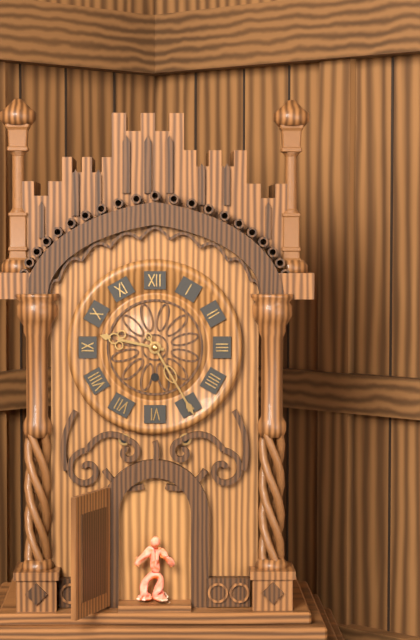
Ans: 9:25
